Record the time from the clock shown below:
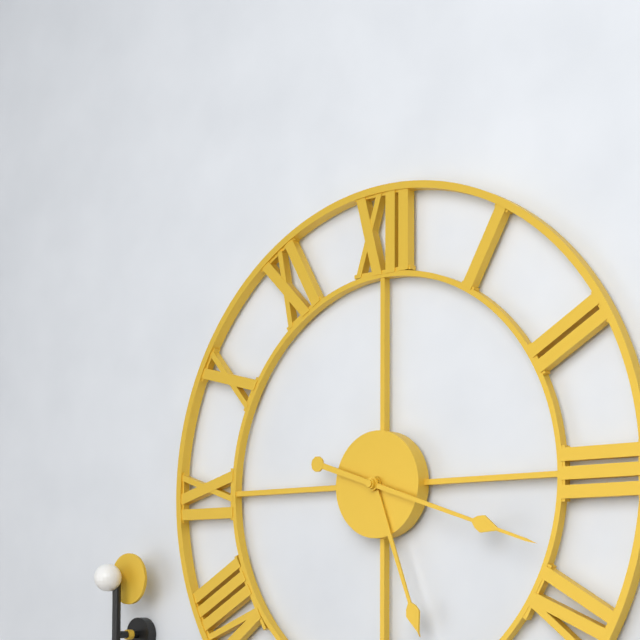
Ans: 5:18
